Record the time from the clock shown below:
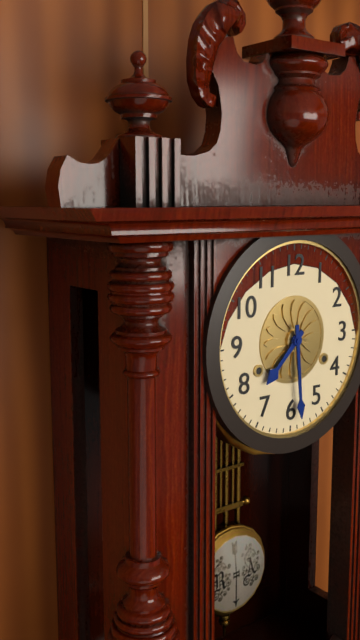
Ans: 7:29
